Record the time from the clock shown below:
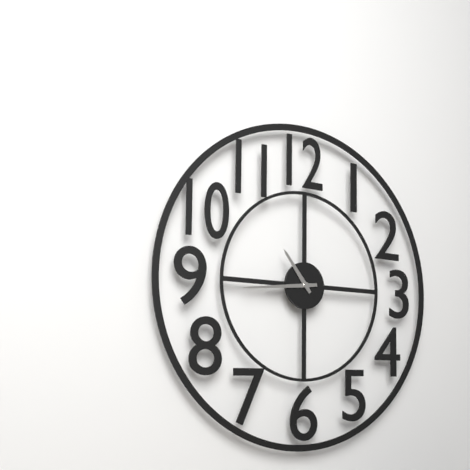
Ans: 10:44
